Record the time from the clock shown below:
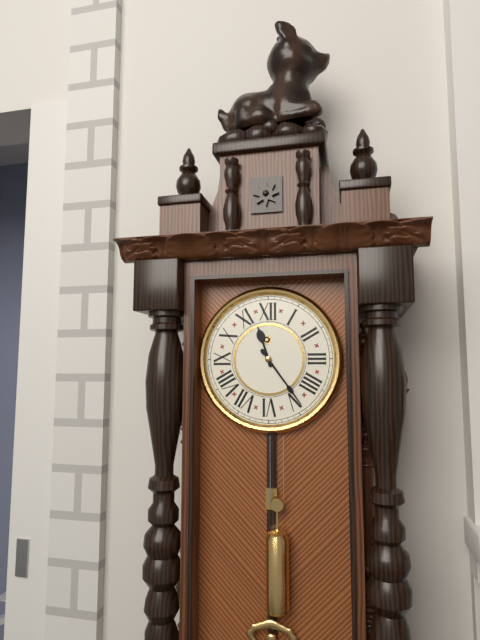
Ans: 11:24
